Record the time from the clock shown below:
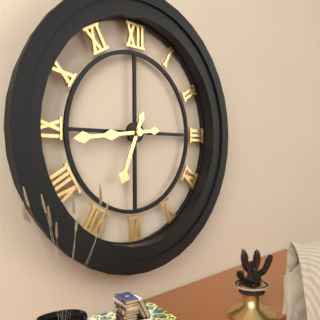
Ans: 6:44
